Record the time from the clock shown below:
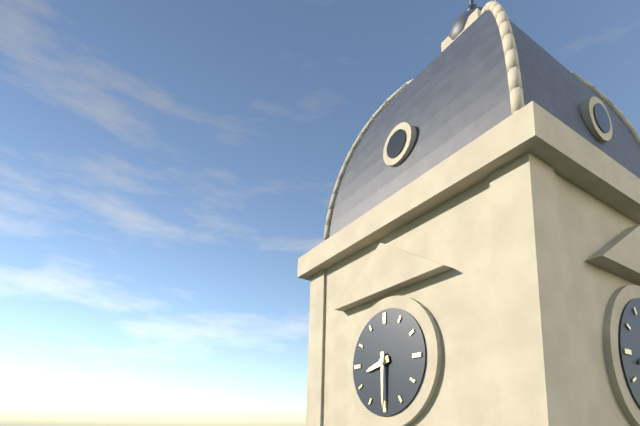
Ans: 8:30
